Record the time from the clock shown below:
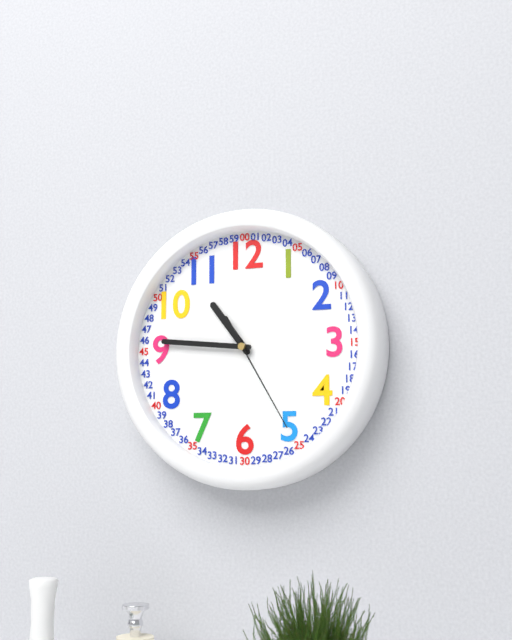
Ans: 10:46:25
